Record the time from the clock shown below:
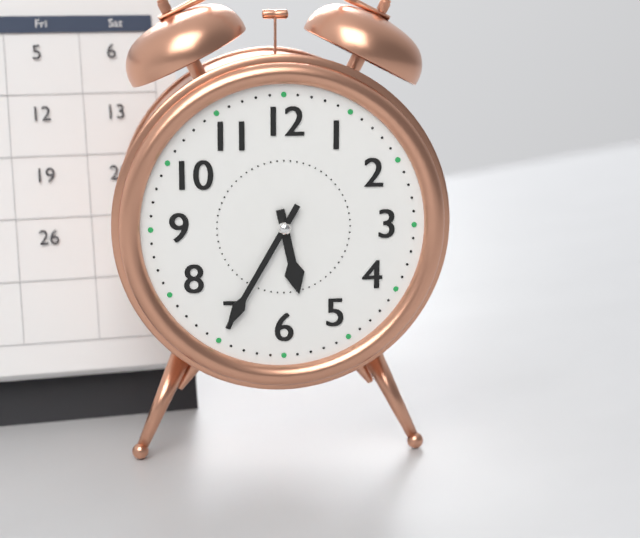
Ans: 5:35
